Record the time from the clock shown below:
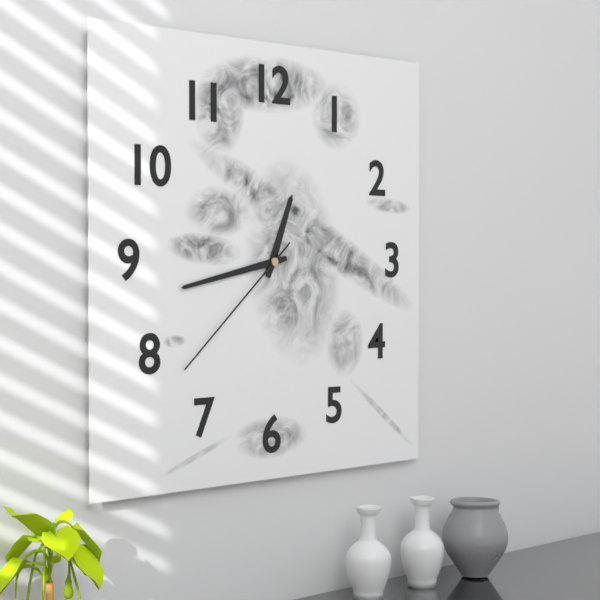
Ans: 12:43:38
